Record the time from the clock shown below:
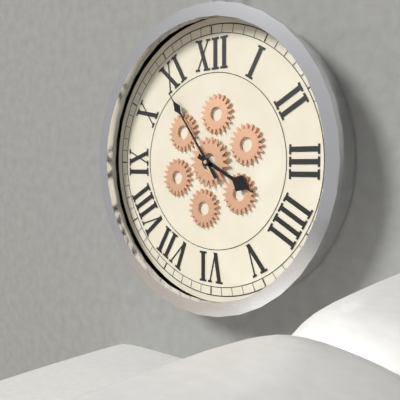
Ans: 3:54
